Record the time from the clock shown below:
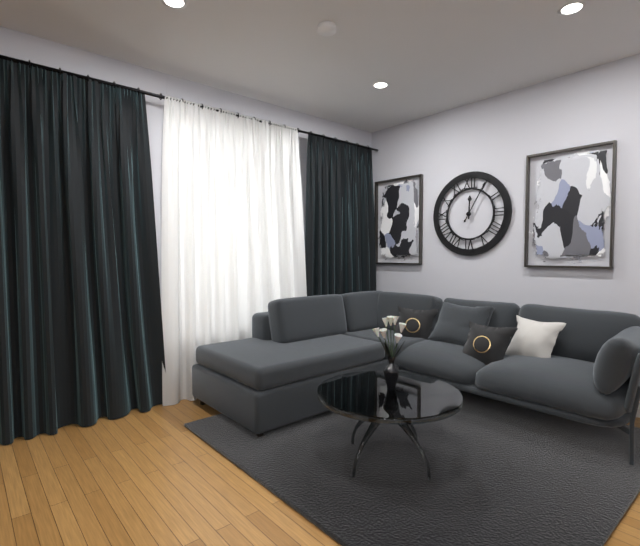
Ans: 12:05
